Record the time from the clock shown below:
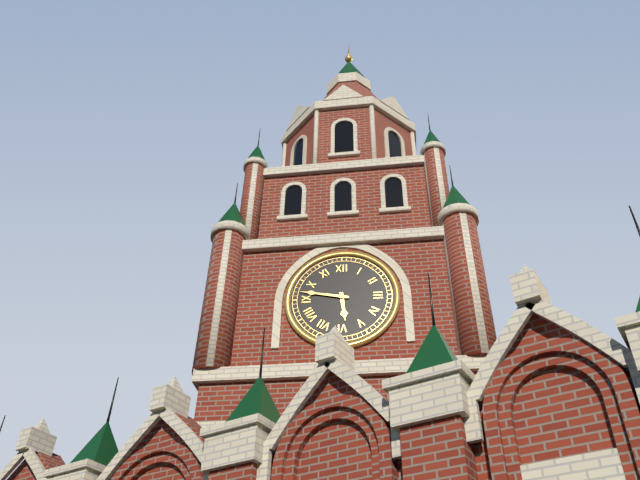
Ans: 5:47
